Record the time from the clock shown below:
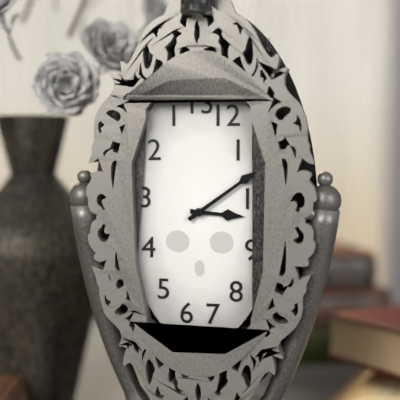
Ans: 3:09
